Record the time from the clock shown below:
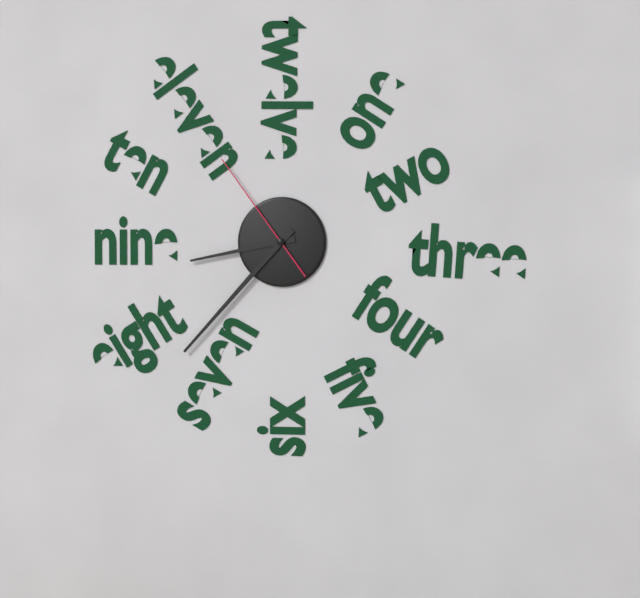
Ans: 8:37:54
